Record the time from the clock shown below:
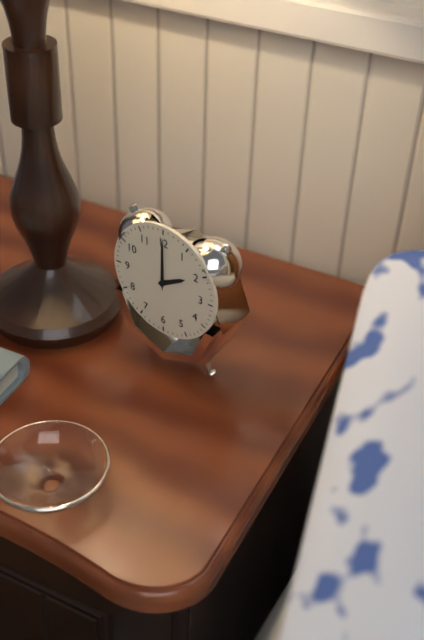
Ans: 2:00
